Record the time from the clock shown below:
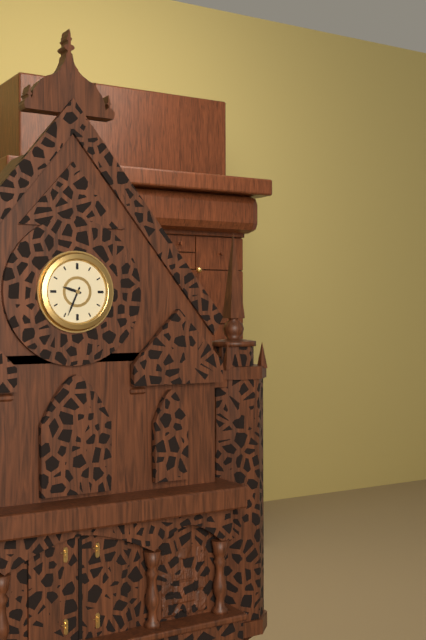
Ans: 9:34
